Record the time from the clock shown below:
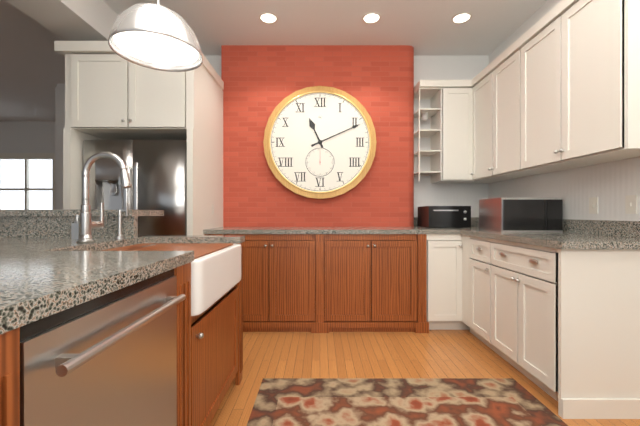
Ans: 11:11
